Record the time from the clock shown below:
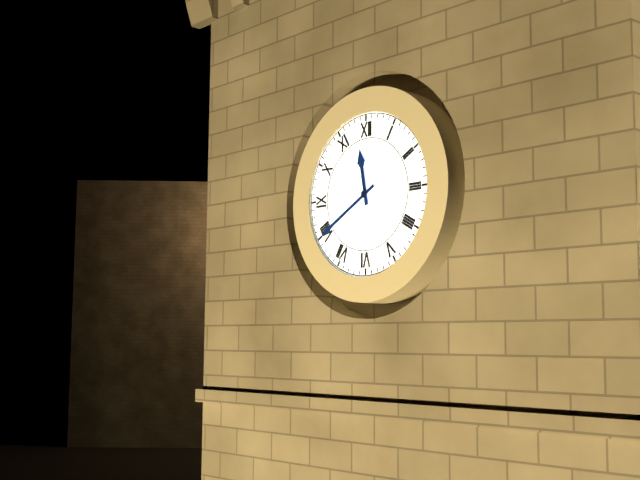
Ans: 11:40
